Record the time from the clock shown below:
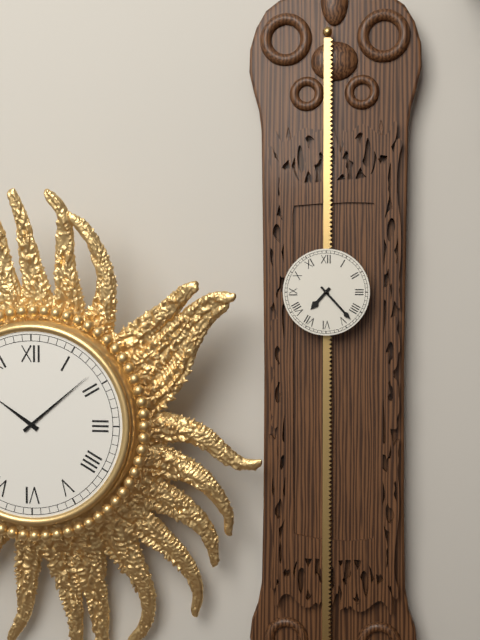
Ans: 7:23
